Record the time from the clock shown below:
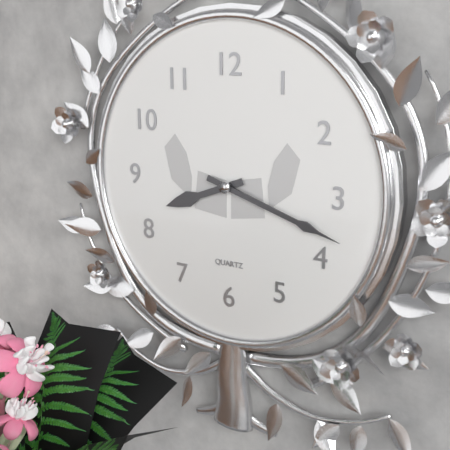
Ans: 8:18
